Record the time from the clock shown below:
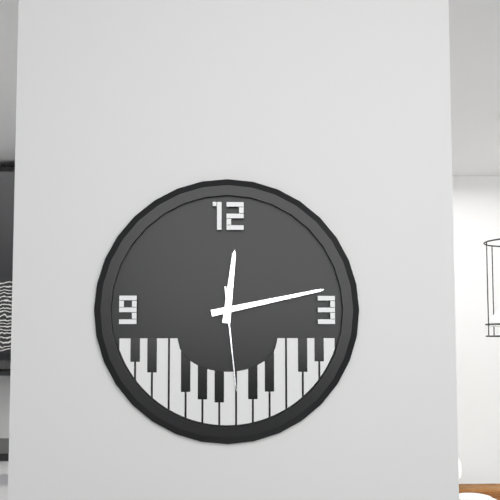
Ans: 12:13:29
